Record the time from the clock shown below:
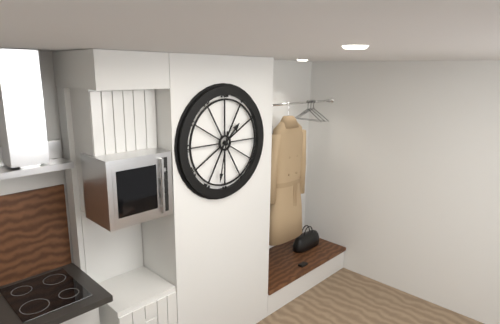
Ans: 1:32
